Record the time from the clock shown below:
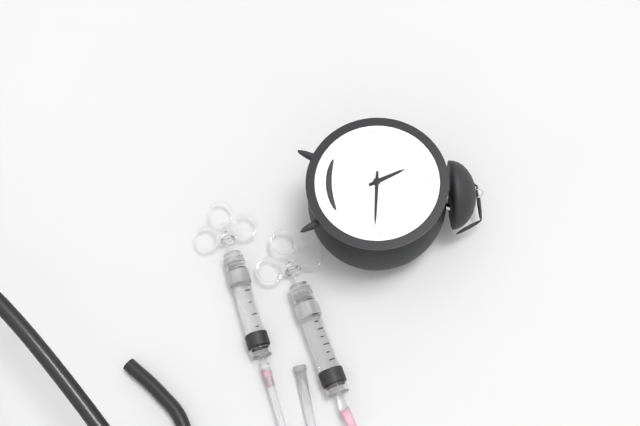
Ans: 11:16
